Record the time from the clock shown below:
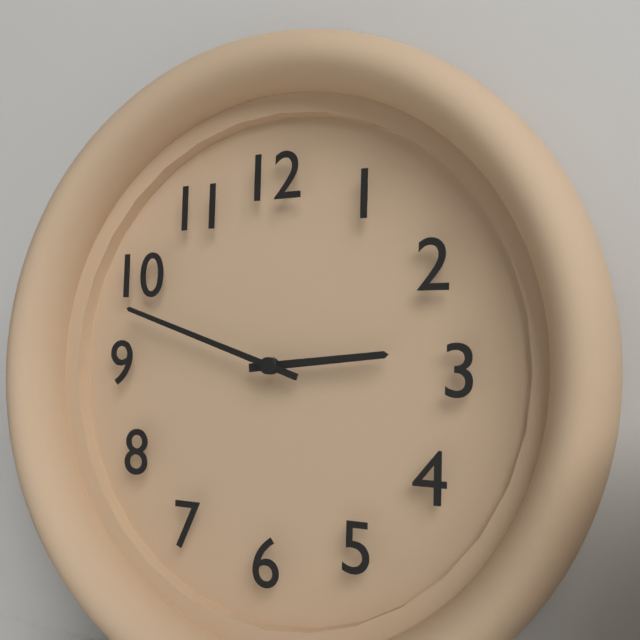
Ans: 2:48
